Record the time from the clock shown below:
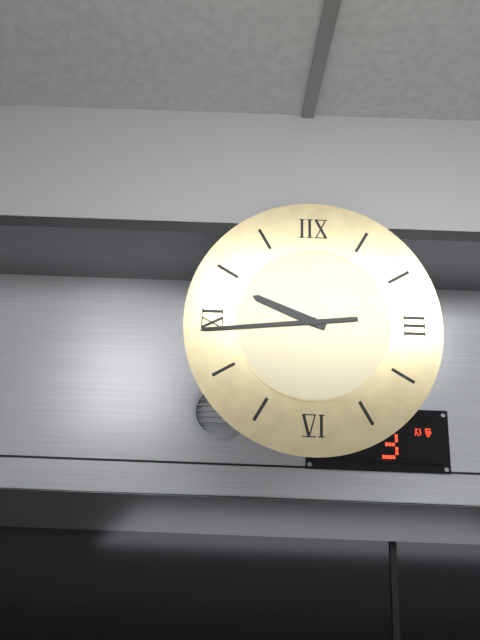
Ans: 9:44
